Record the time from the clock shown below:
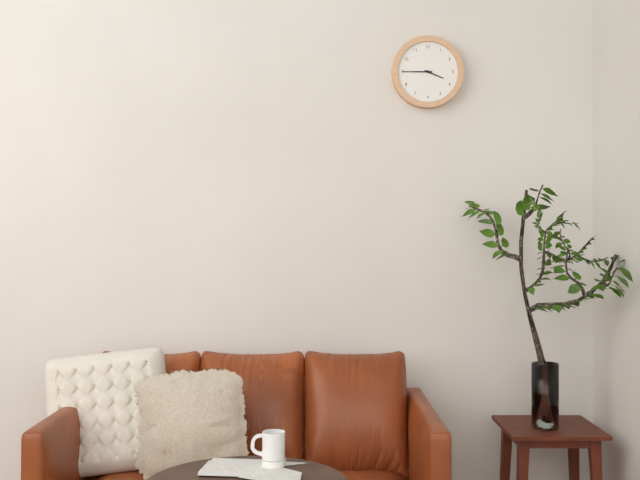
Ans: 3:45
